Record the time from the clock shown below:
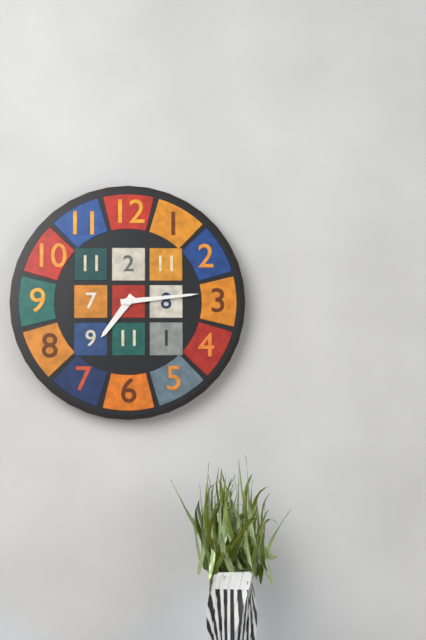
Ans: 7:14
